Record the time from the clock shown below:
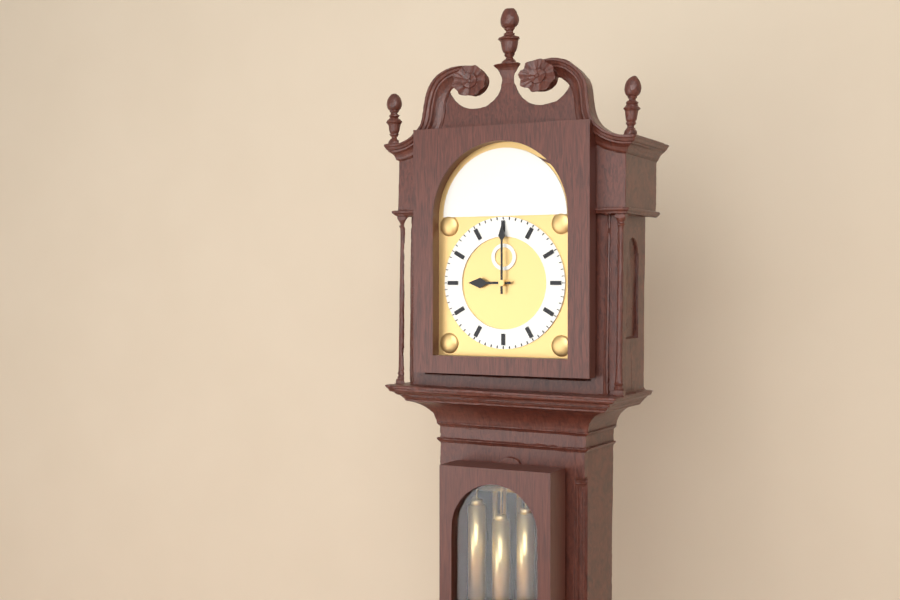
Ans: 9:00
